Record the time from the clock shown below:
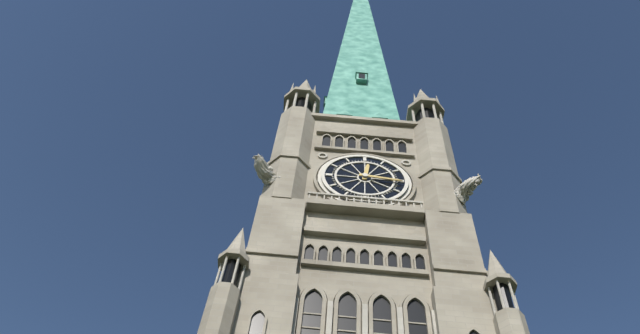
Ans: 12:16
